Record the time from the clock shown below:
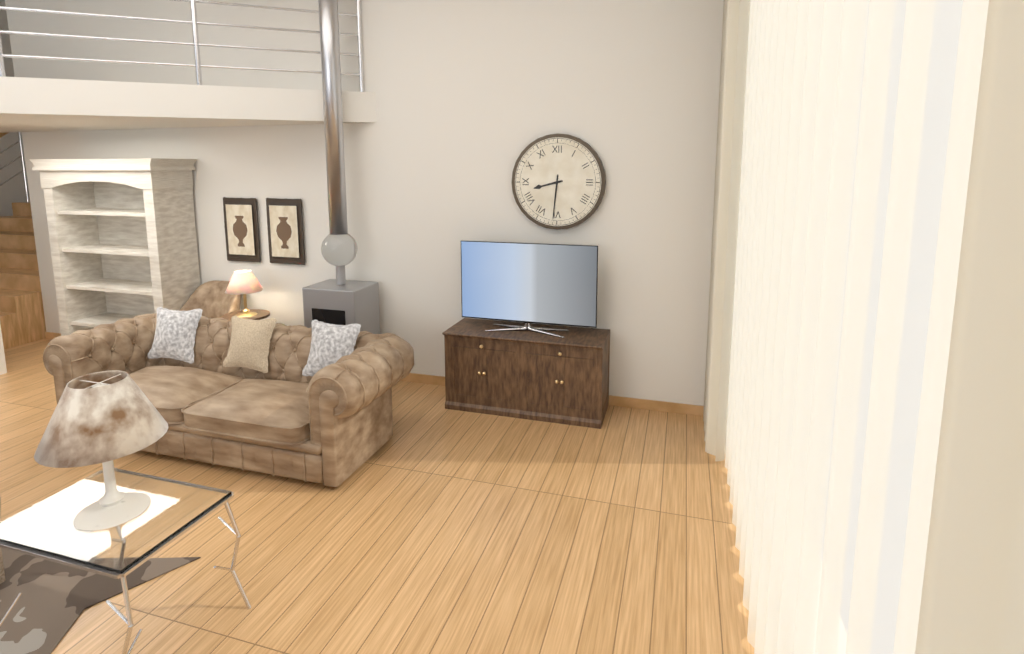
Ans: 8:31
